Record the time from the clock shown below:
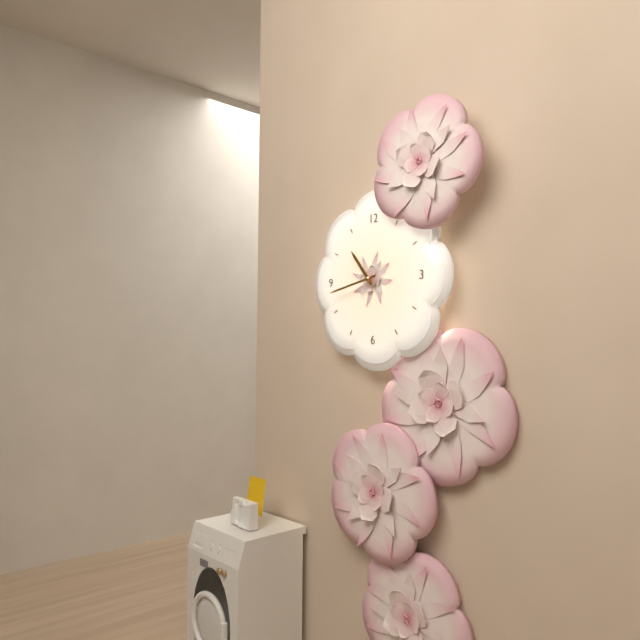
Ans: 10:43
